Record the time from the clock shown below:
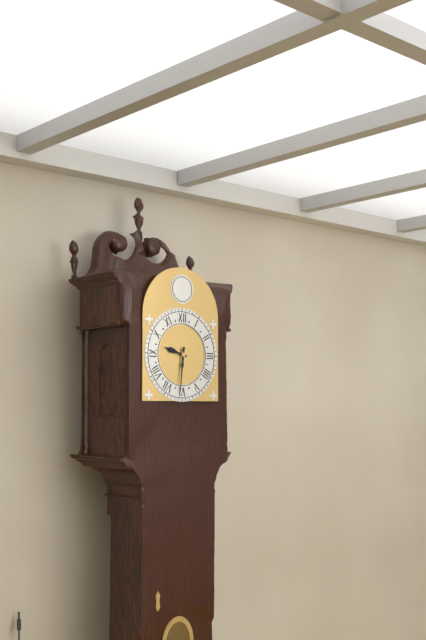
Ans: 9:31
